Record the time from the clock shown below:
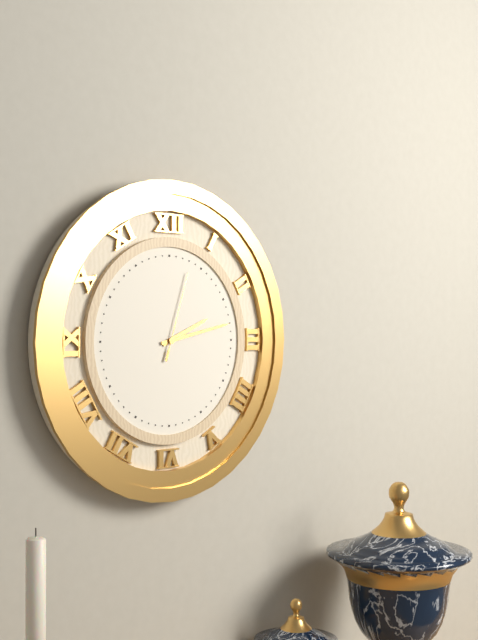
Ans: 2:13:03
